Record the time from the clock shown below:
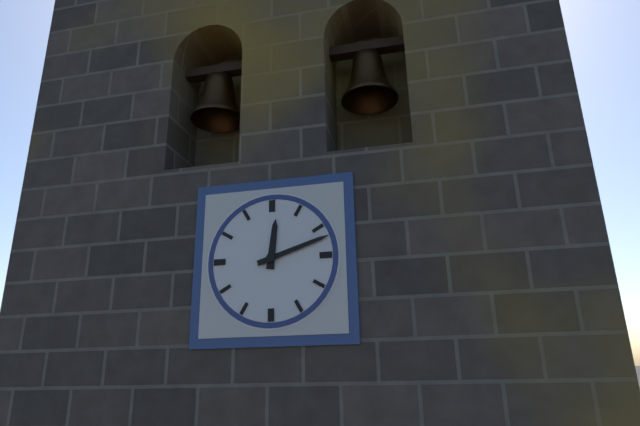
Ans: 12:12
